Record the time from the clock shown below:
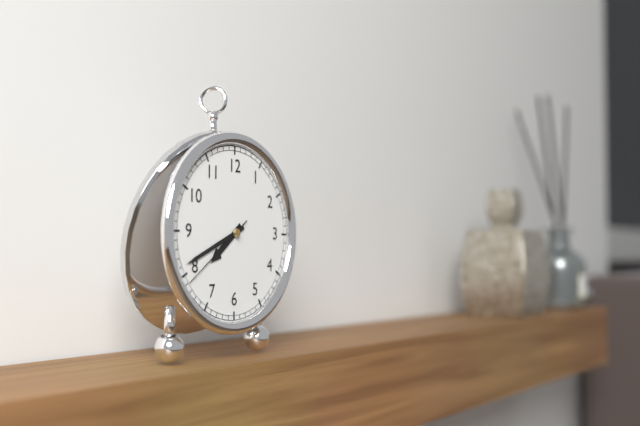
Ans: 7:41:39
